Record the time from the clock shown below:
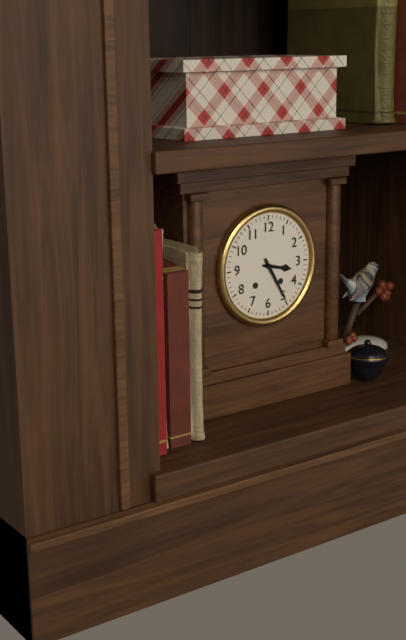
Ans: 3:25
